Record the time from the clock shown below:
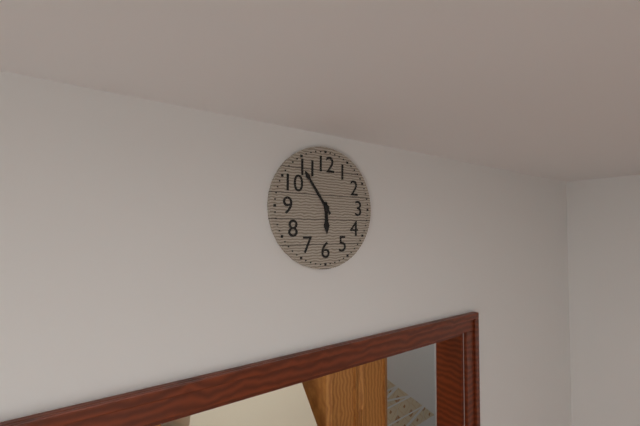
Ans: 5:54
